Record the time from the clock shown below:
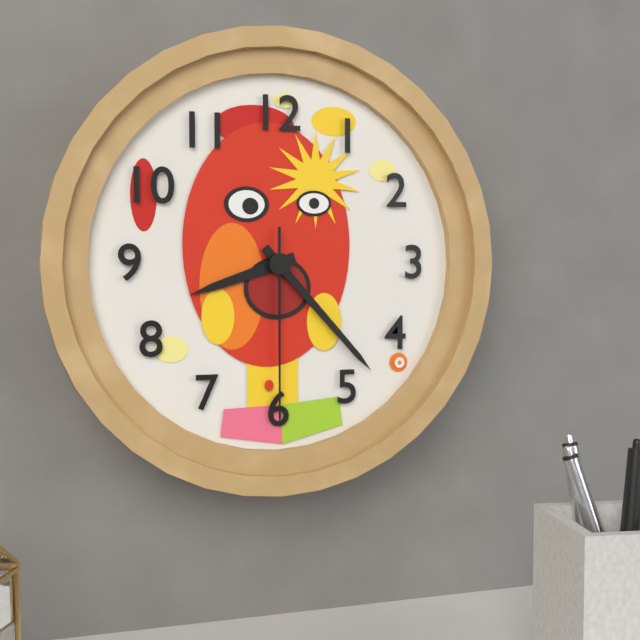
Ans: 8:23:30
